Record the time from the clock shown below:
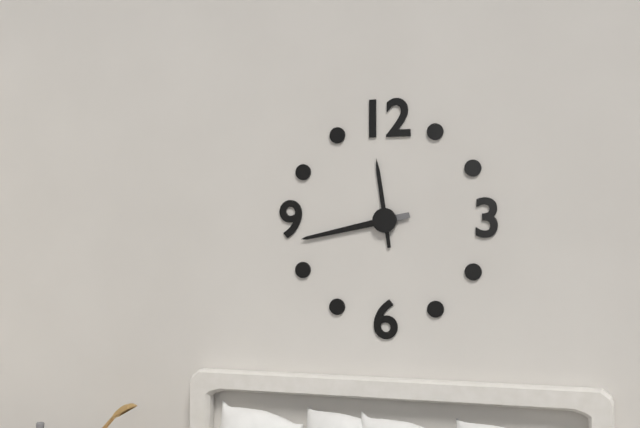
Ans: 11:43
